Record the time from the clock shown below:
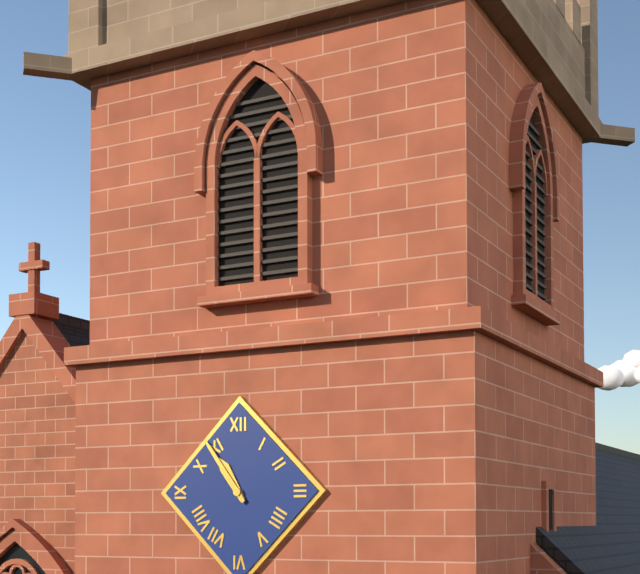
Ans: 10:54
